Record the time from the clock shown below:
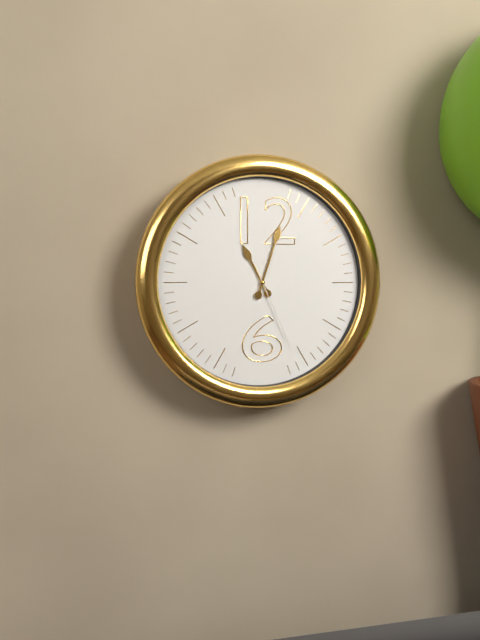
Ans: 11:03:26
